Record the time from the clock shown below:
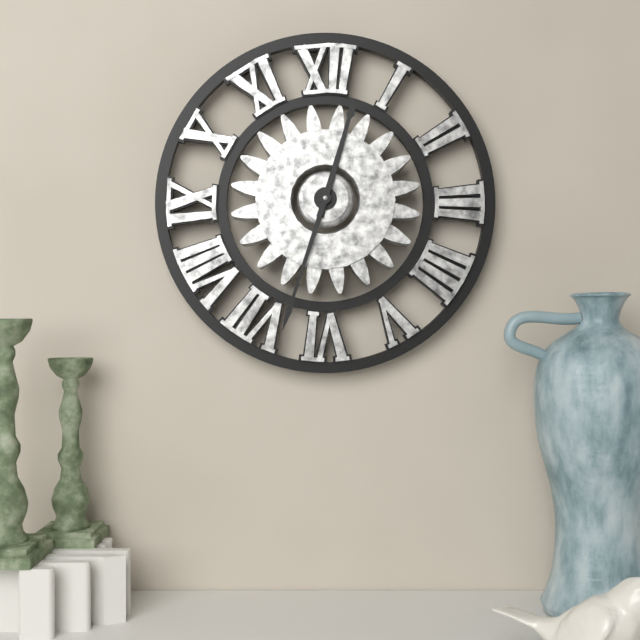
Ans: 12:33
